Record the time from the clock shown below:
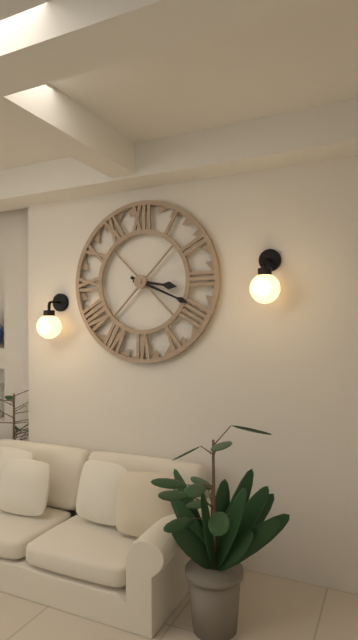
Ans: 3:19
